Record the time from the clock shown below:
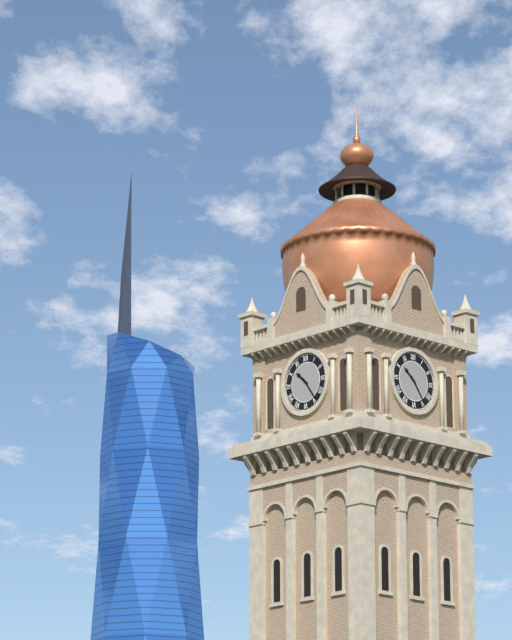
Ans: 10:24
